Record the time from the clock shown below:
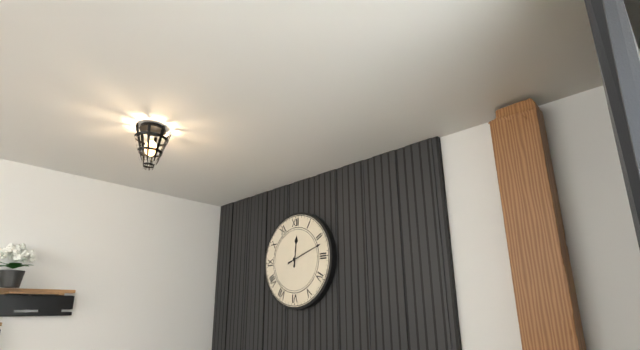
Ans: 12:12
